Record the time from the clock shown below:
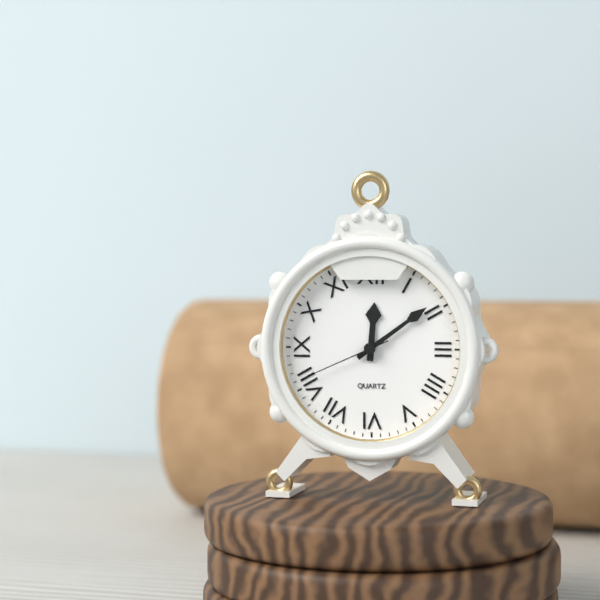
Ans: 12:09:41
